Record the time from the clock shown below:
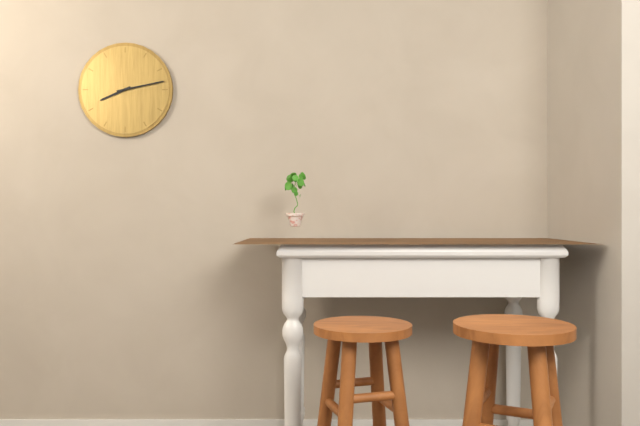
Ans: 8:13
